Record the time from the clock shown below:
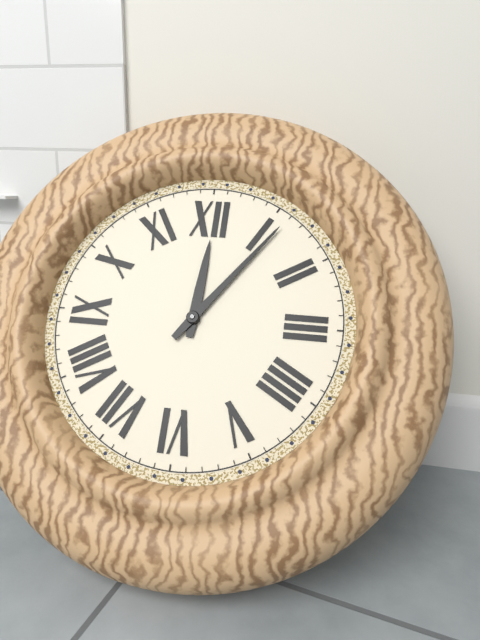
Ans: 12:06
